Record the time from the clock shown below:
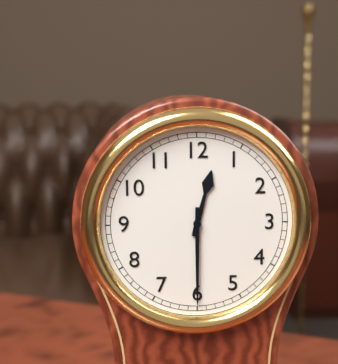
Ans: 12:30
